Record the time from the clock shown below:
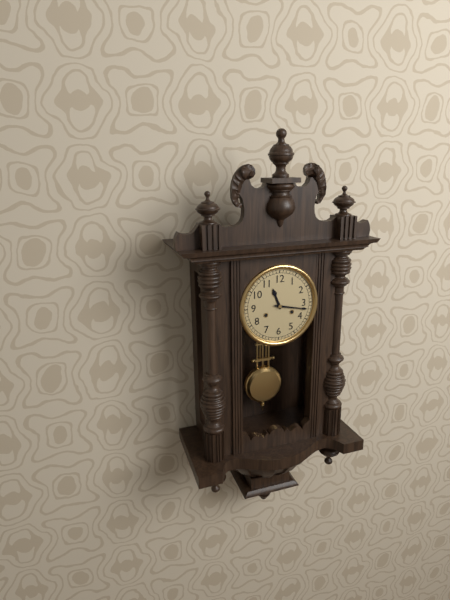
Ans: 11:17
